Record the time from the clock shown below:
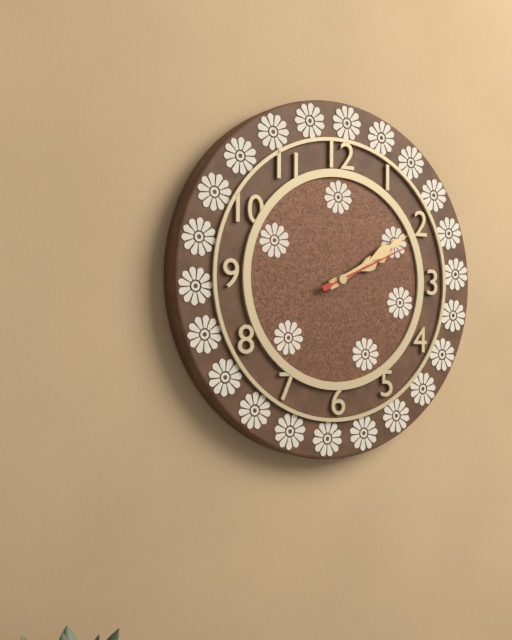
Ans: 2:10:11
